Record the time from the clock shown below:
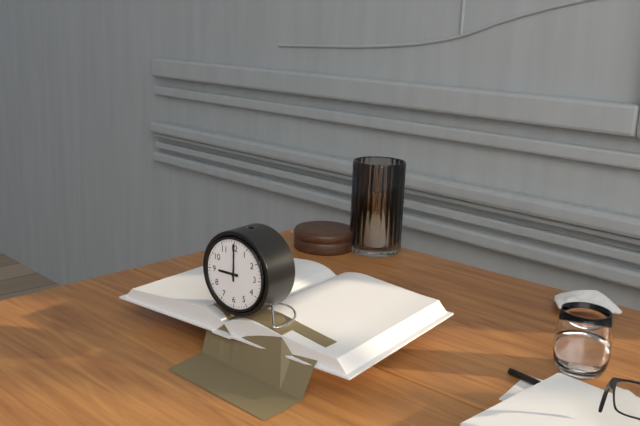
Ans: 9:00
